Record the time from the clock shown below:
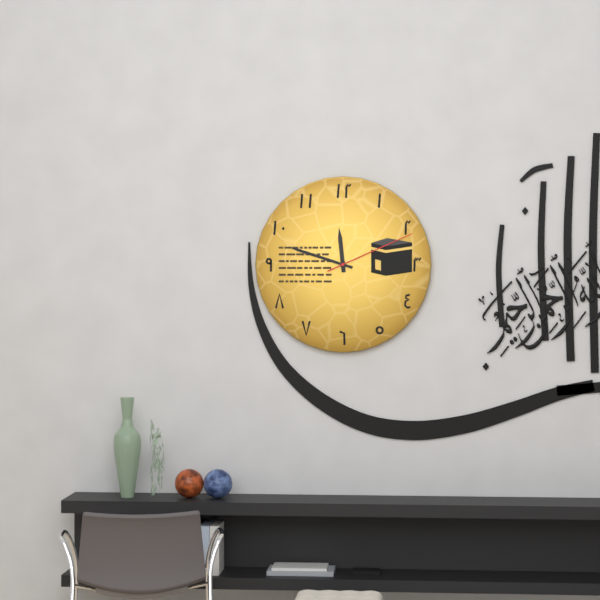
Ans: 11:48:11
